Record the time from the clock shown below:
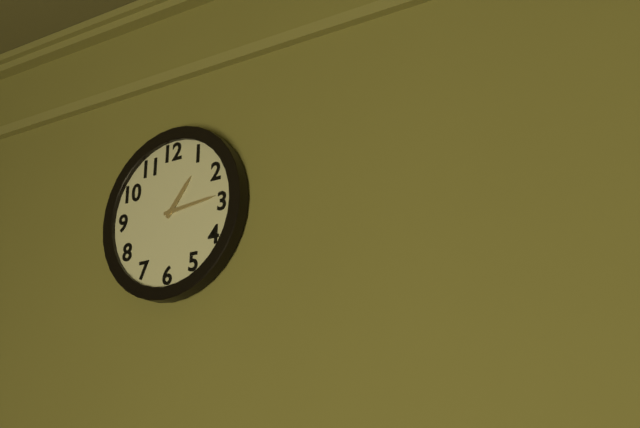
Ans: 1:14
